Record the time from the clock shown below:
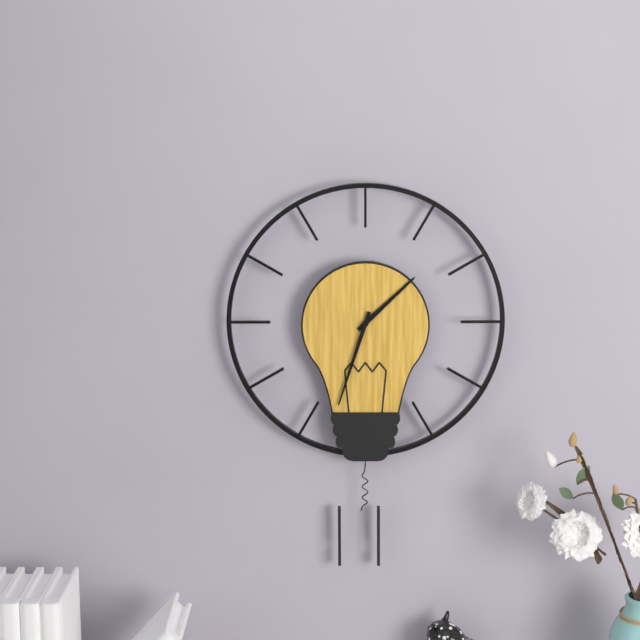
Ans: 1:33
